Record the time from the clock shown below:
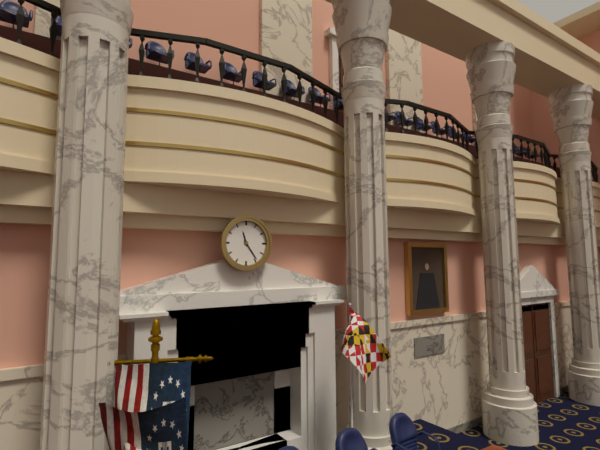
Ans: 11:24
